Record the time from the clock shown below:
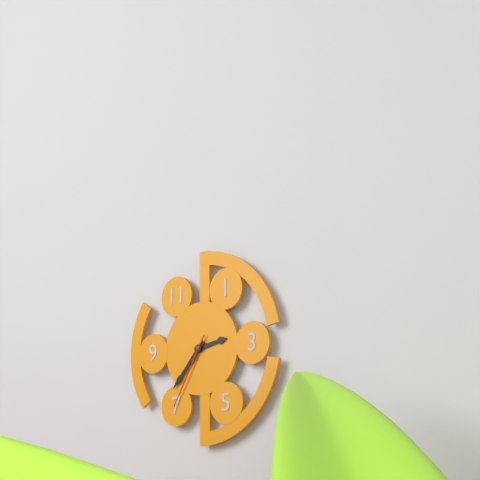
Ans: 2:37:35
